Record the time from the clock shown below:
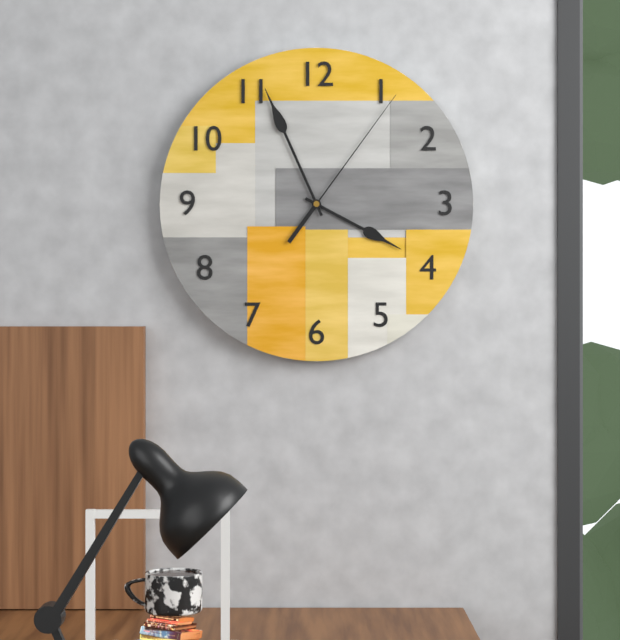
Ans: 3:56:06
